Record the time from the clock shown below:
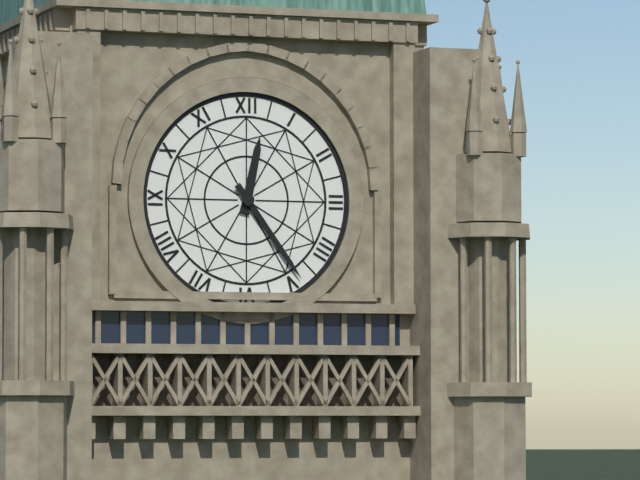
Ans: 12:24
